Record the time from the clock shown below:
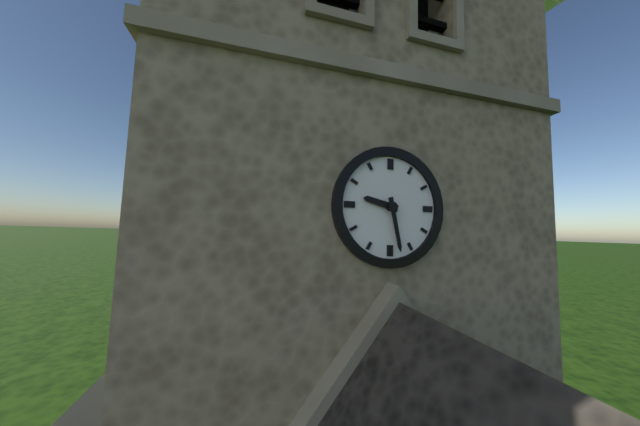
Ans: 9:28
